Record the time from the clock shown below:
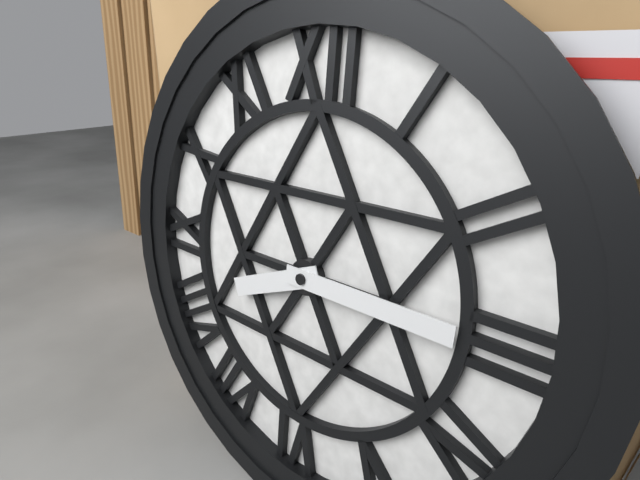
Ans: 8:15
